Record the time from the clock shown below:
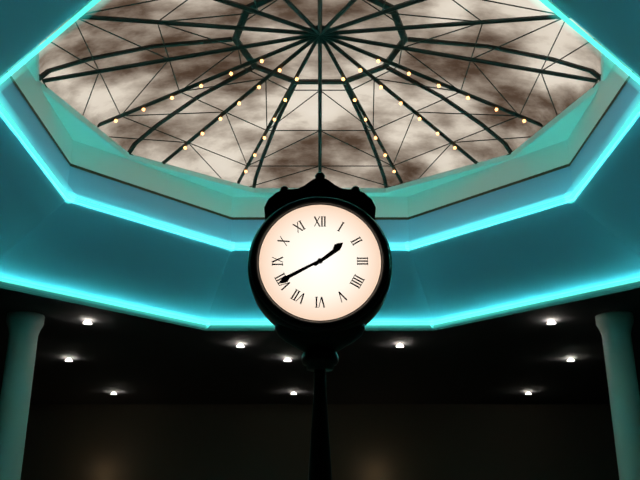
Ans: 1:40
